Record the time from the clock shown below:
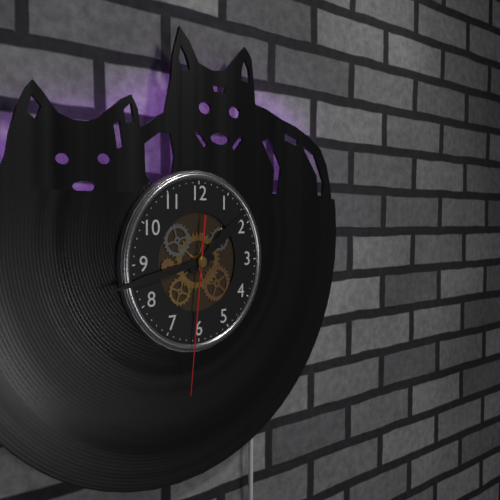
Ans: 1:43:31
